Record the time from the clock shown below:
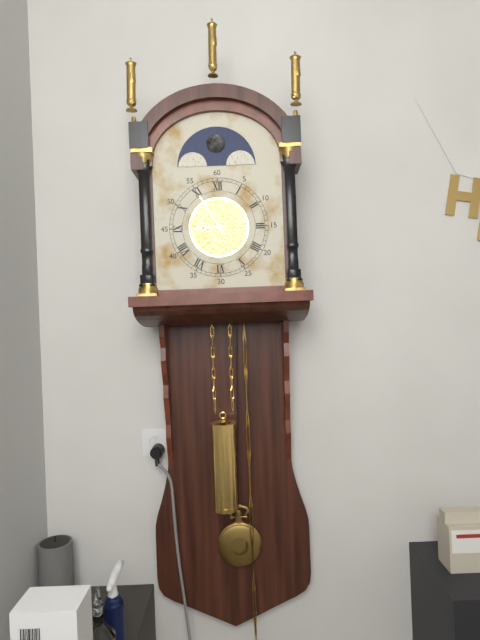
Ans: 8:55
